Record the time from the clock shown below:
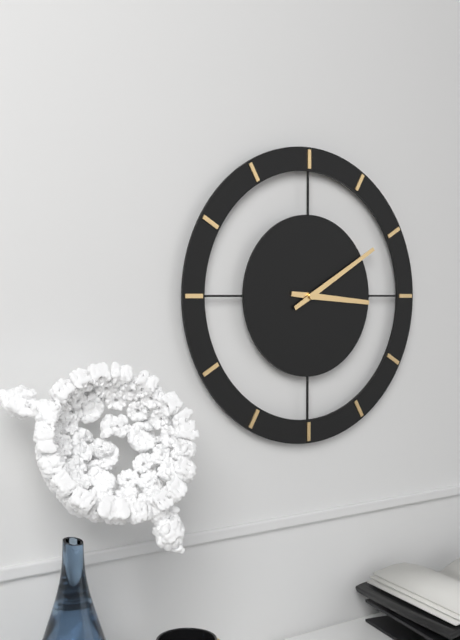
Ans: 3:10
